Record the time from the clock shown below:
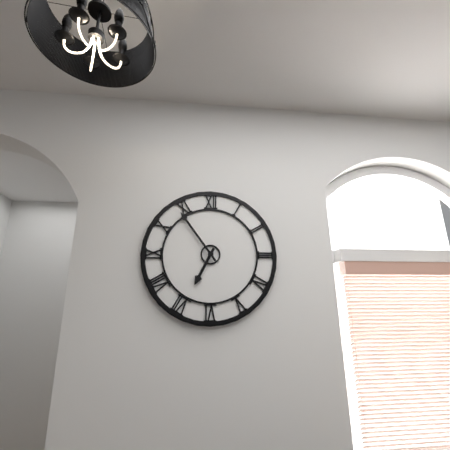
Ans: 6:54
